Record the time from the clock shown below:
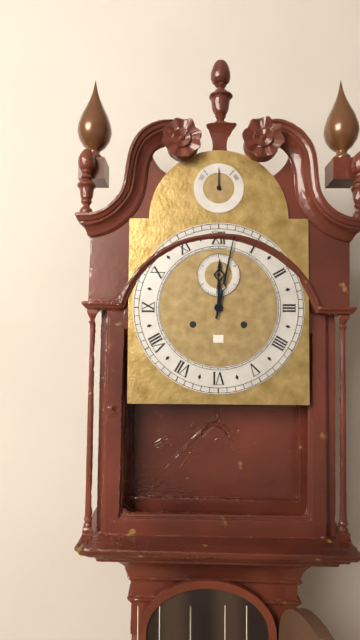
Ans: 12:02
